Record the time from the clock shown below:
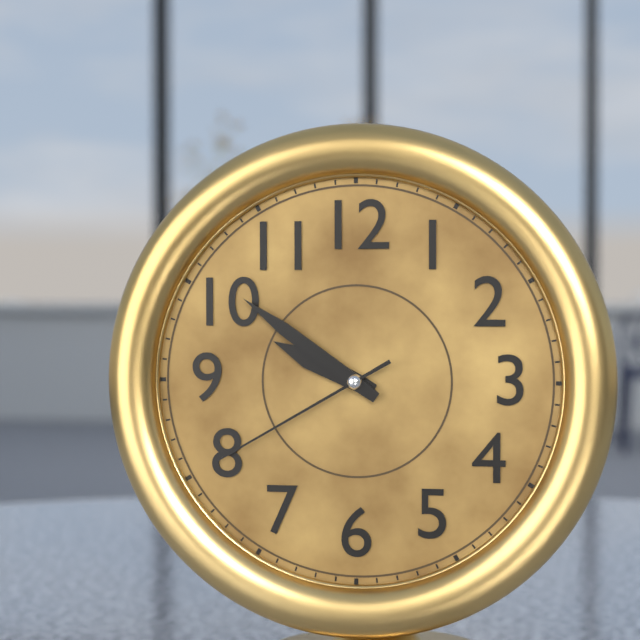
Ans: 9:51:40
